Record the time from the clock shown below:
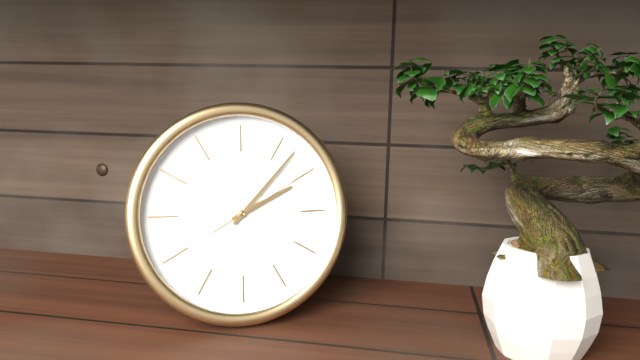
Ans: 2:07:10
